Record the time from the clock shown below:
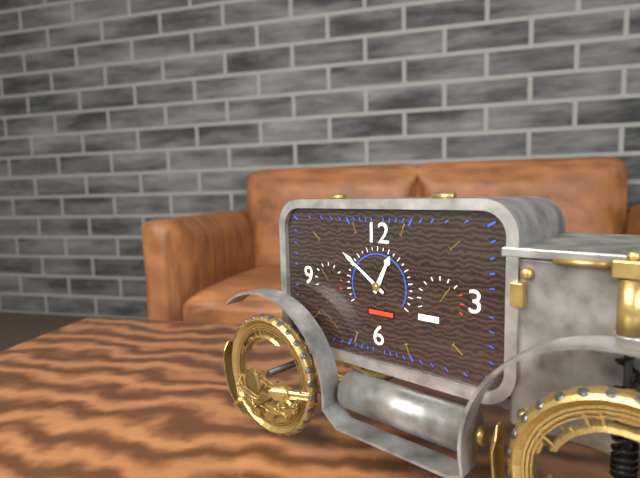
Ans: 12:51
